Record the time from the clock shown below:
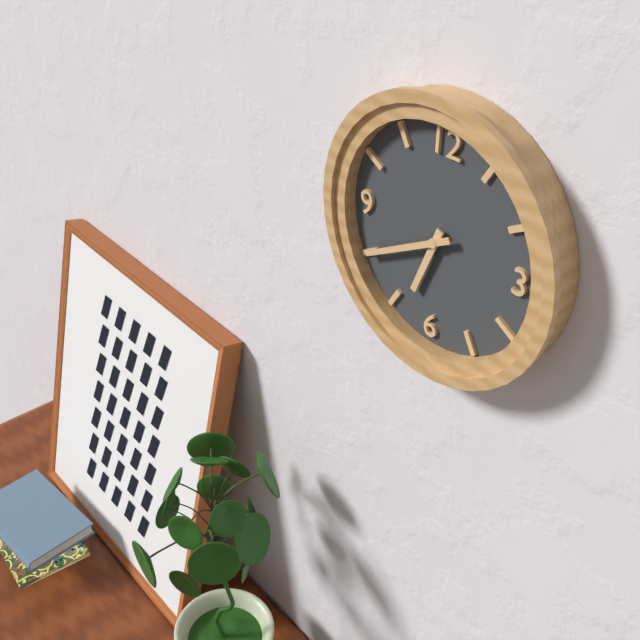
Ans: 6:40
